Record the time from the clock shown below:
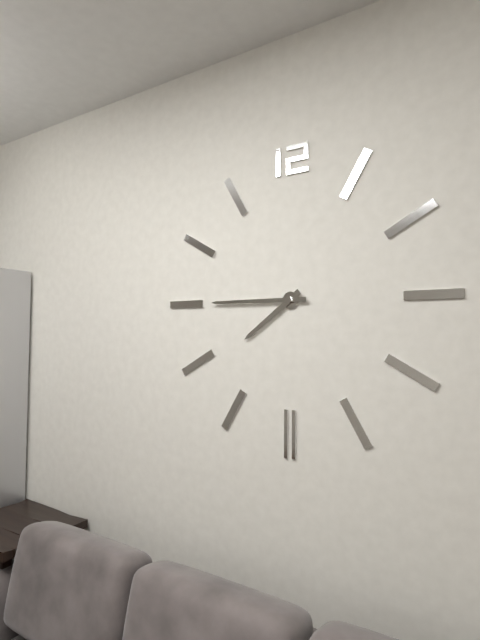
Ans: 7:45
